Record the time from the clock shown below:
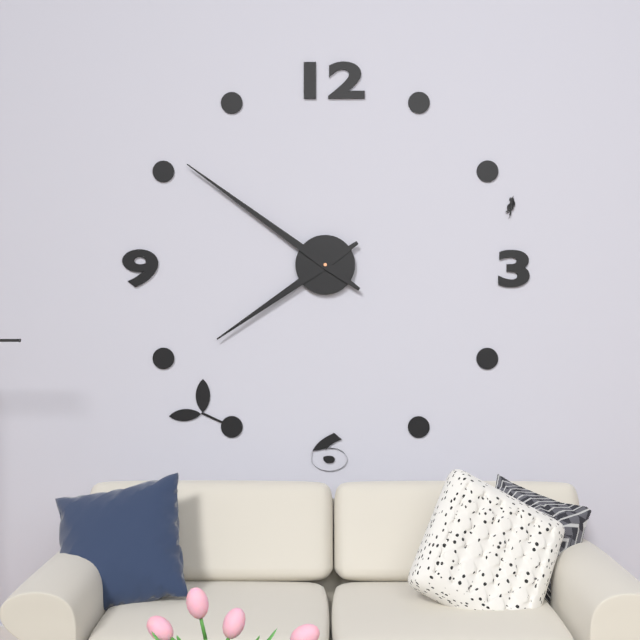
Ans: 7:51
